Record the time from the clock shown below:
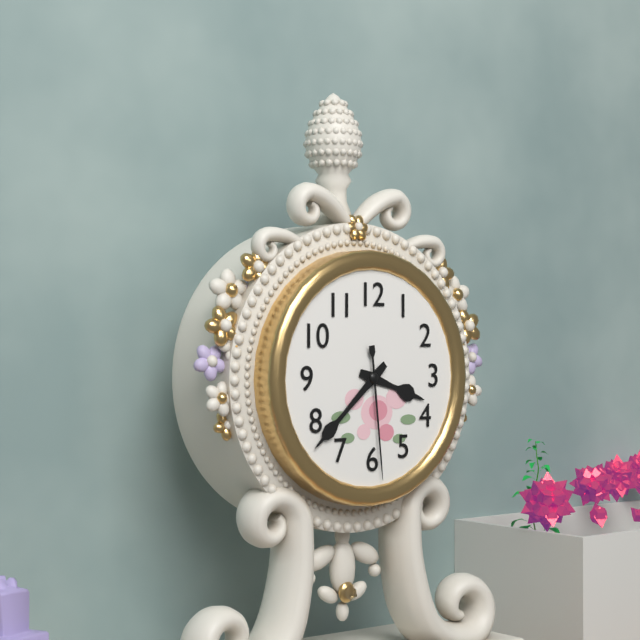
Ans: 3:38:29
